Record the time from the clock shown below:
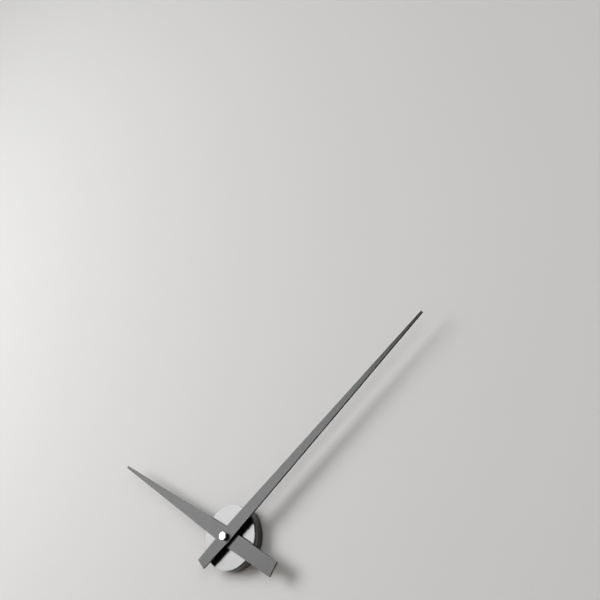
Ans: 10:09
